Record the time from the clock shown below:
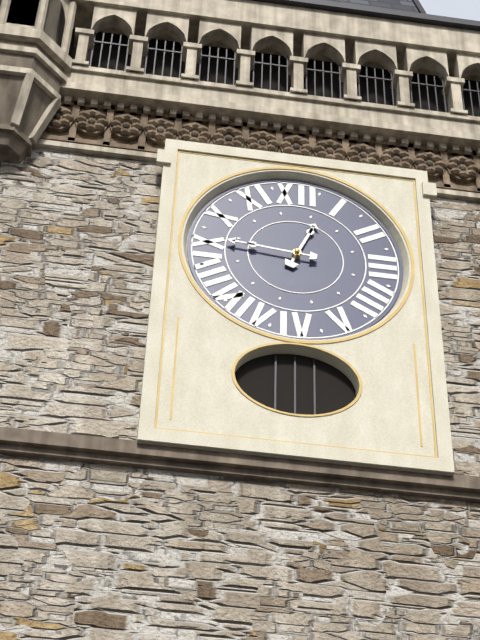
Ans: 12:46
